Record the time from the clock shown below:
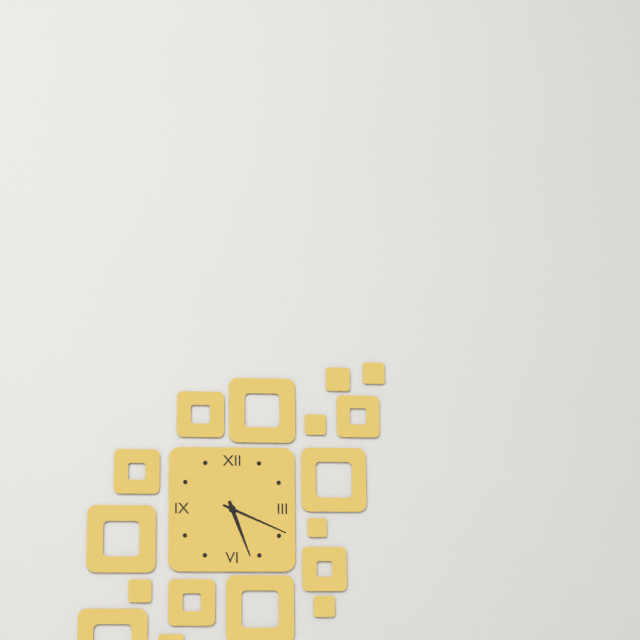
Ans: 5:19
